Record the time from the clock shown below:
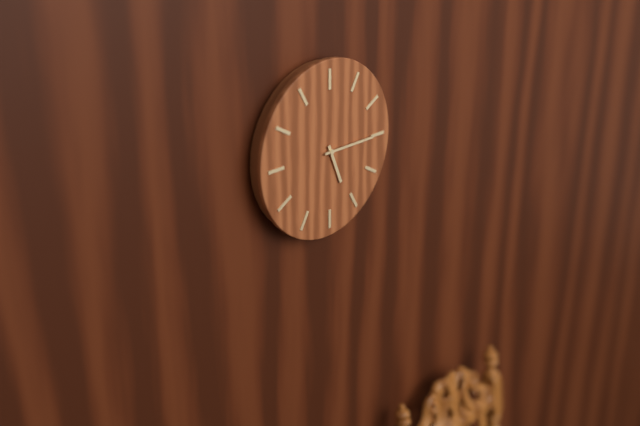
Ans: 5:15
